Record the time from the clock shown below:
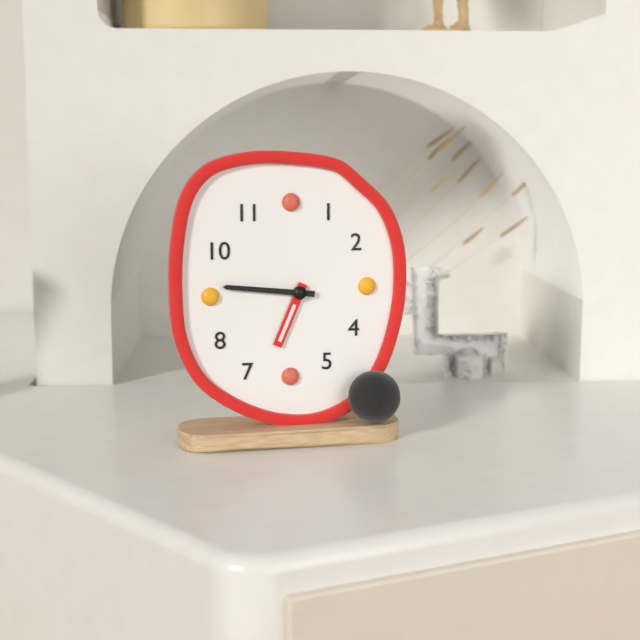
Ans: 6:46
